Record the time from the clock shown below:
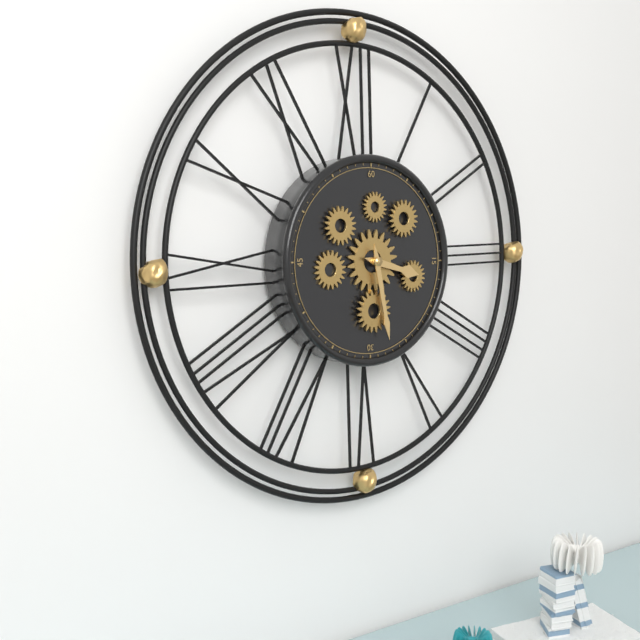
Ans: 3:28
